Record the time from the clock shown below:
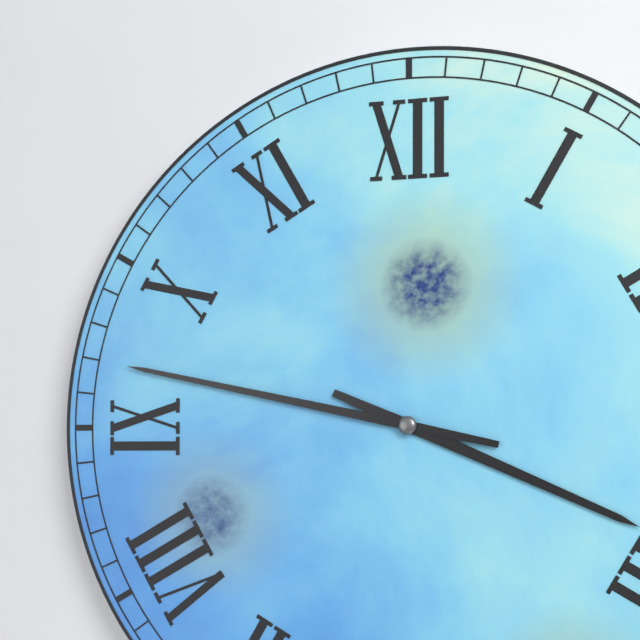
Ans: 3:47
